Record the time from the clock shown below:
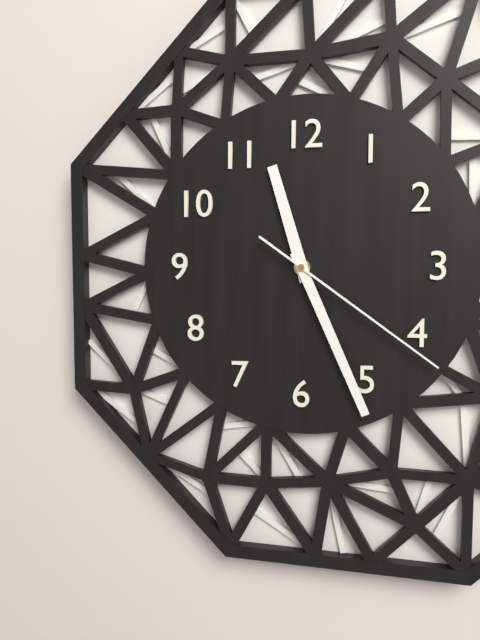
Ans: 11:26:21
